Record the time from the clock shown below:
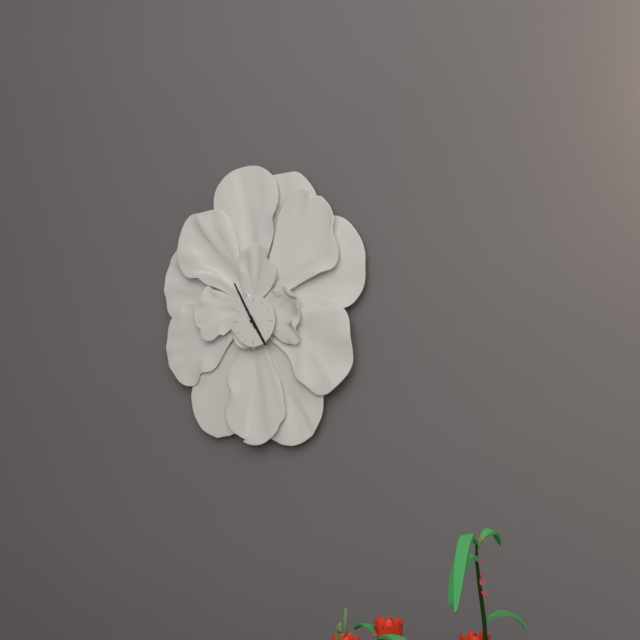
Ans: 4:55
